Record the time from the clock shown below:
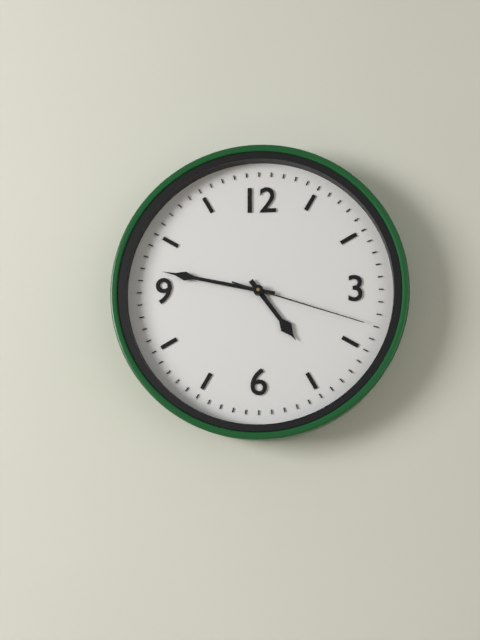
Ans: 4:47:18
